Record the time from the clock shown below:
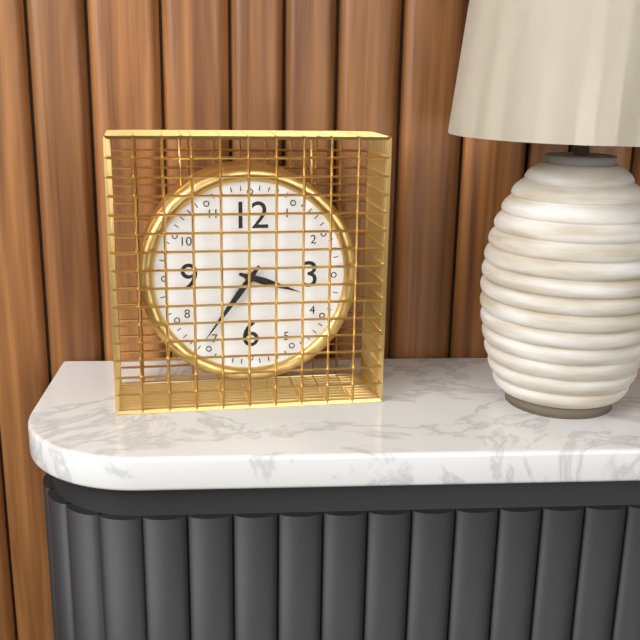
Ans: 3:36
